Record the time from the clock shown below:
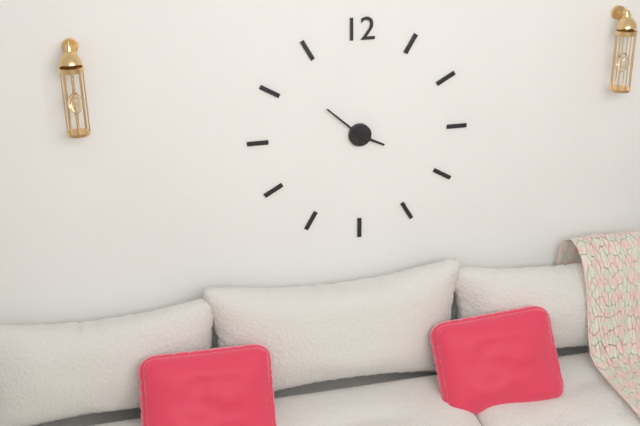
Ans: 3:52
